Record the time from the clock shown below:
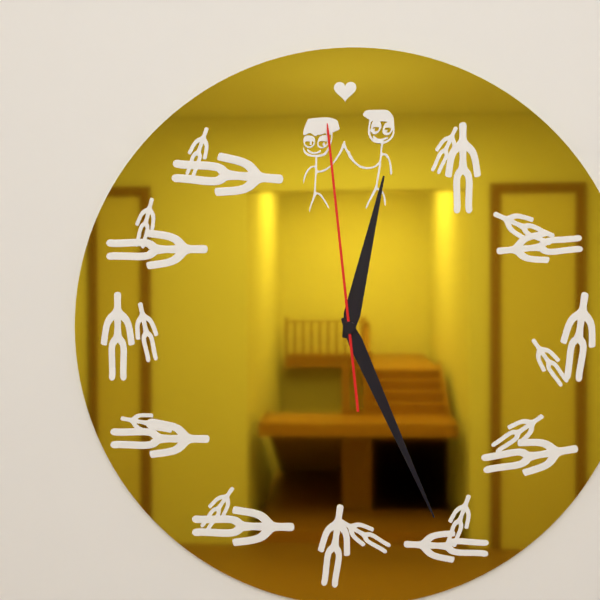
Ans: 12:26:59
